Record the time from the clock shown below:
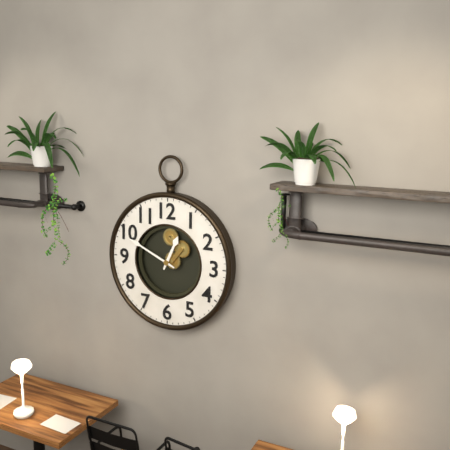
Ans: 12:49
